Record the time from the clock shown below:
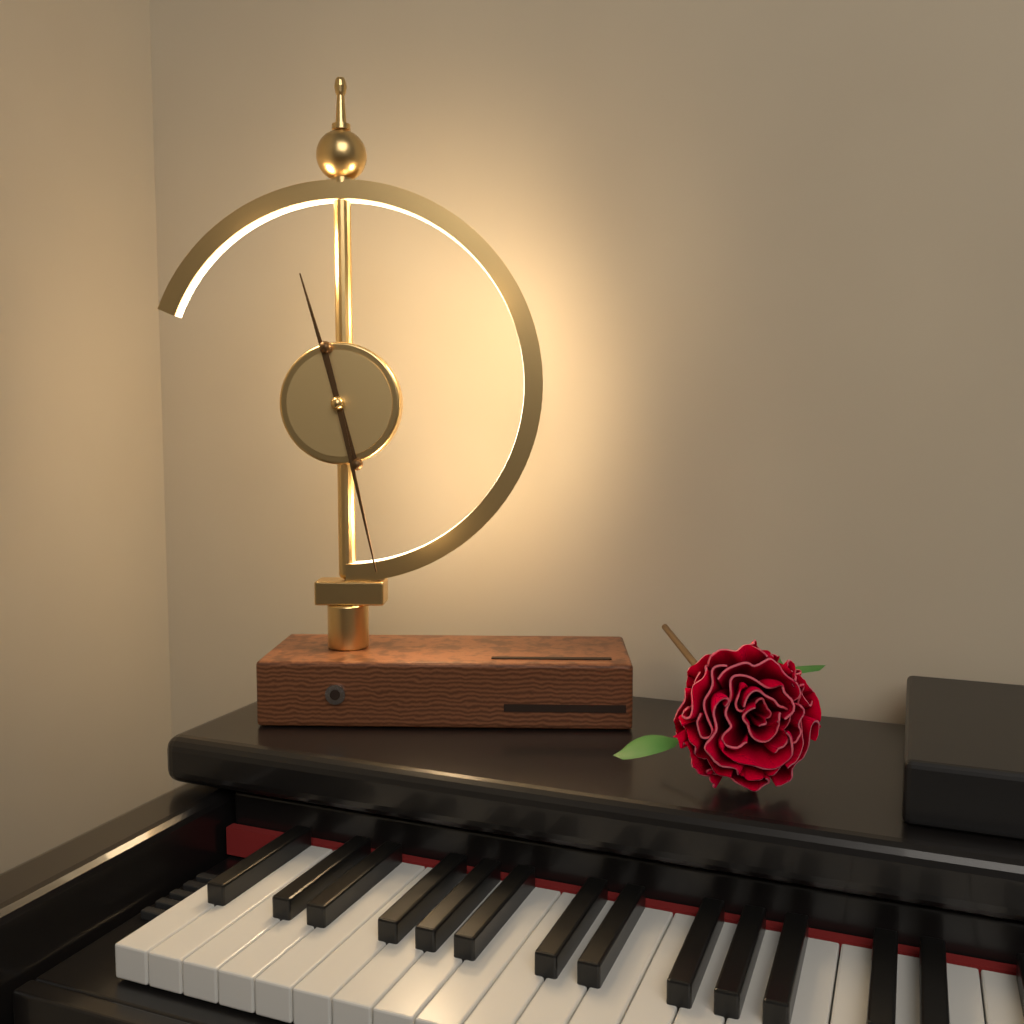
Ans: 11:28
